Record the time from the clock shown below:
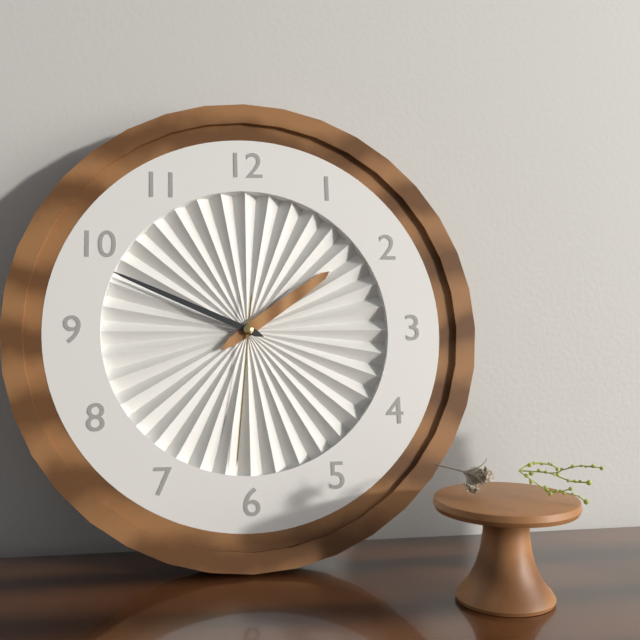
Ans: 1:49:31
